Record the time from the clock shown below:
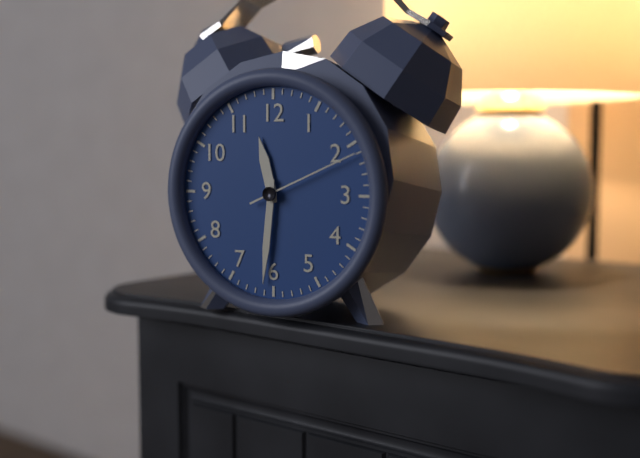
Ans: 11:31:11
